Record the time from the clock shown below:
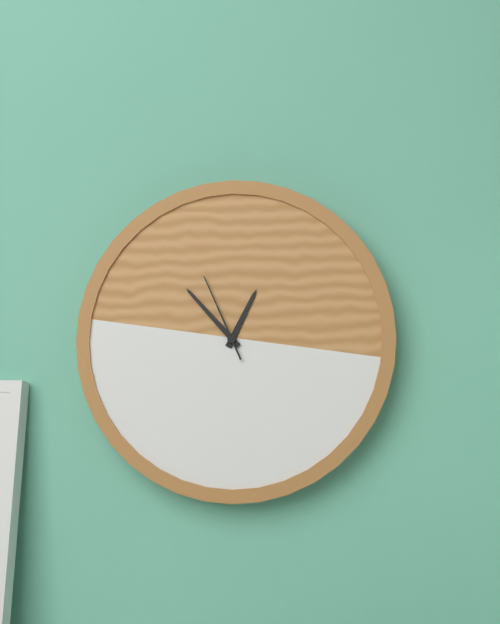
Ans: 12:53:56
